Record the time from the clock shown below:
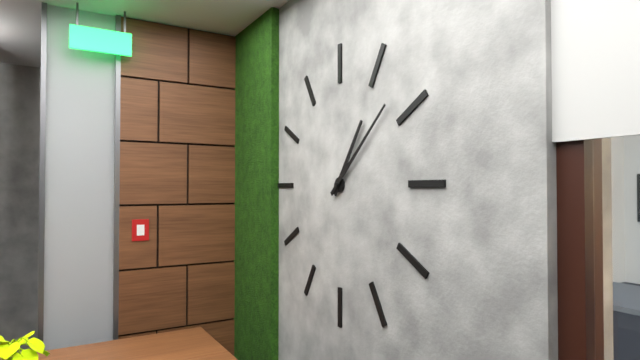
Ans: 1:08
